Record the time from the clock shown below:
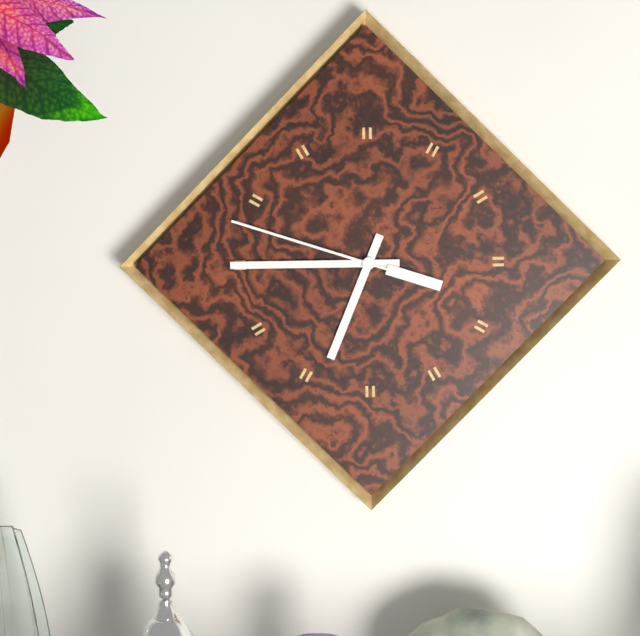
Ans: 6:45:48
